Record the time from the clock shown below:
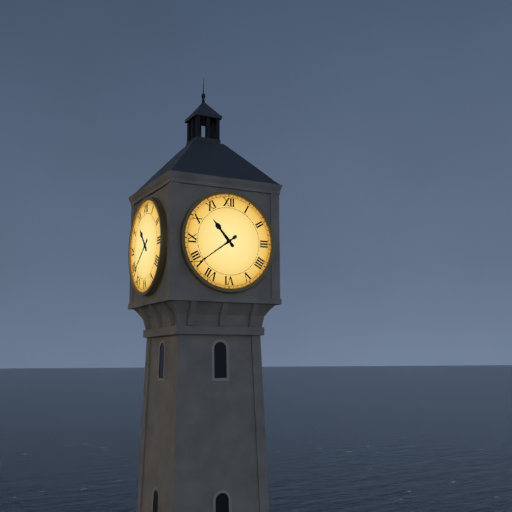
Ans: 10:39
